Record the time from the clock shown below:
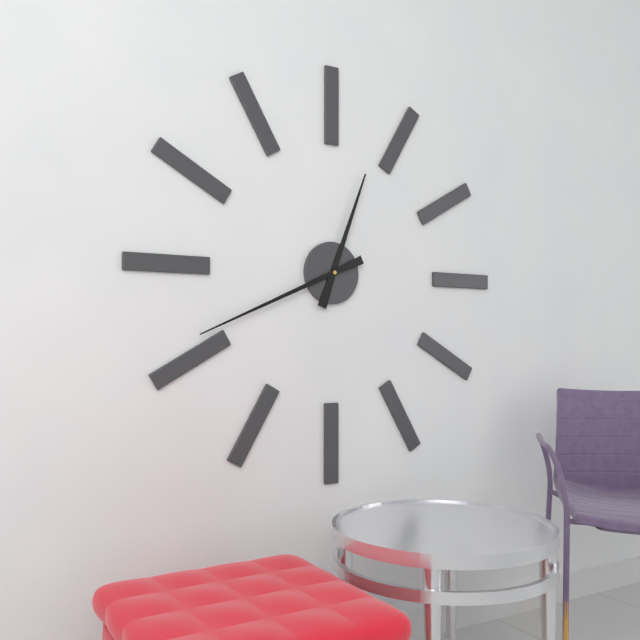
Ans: 12:41
